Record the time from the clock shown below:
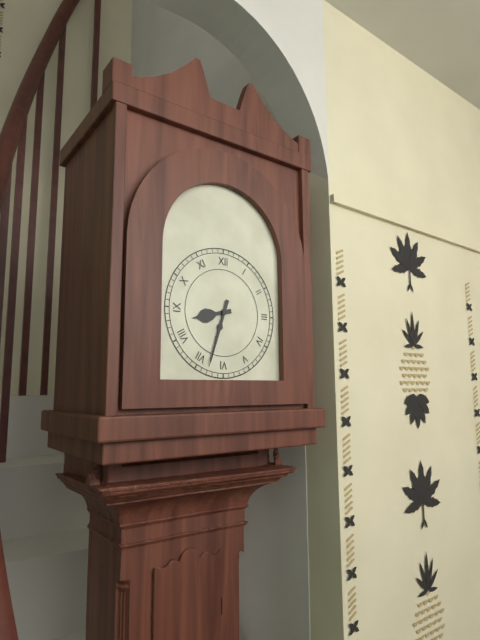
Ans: 8:33
